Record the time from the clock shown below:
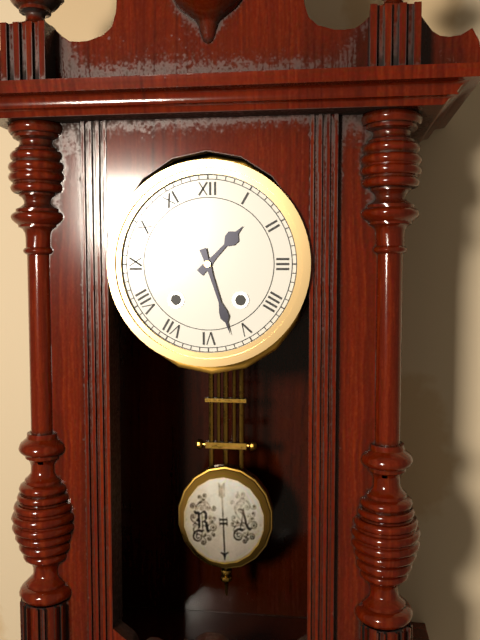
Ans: 1:27
